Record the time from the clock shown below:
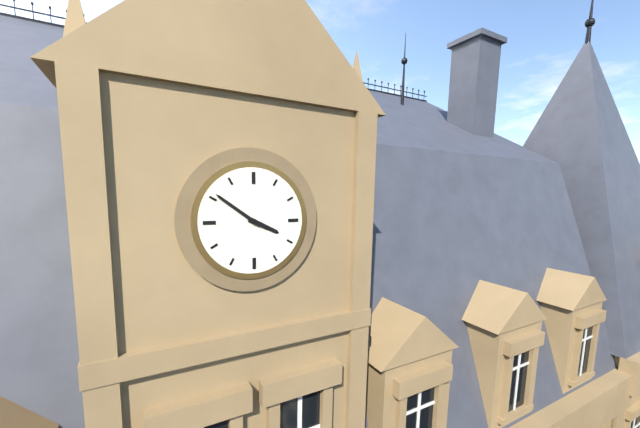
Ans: 3:51
